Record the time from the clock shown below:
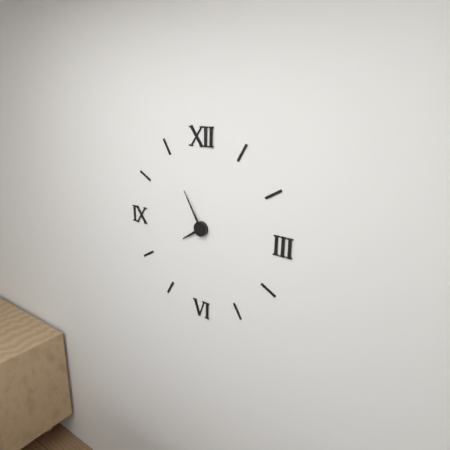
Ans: 7:55
